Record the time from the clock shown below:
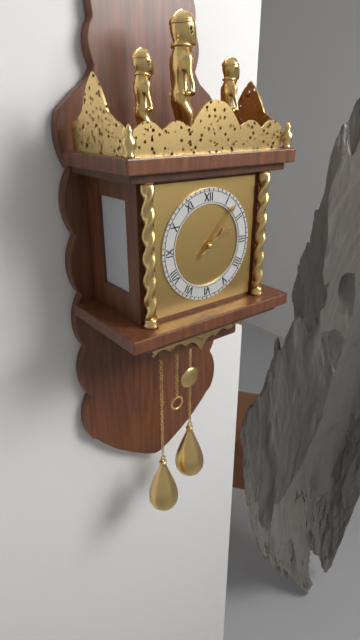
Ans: 2:07
